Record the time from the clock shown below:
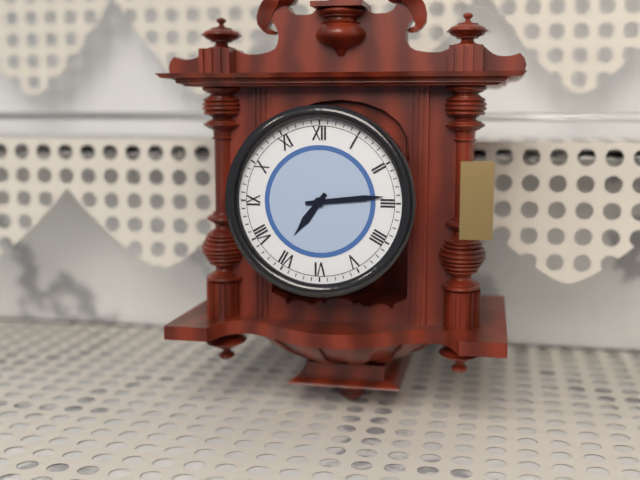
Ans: 7:14
